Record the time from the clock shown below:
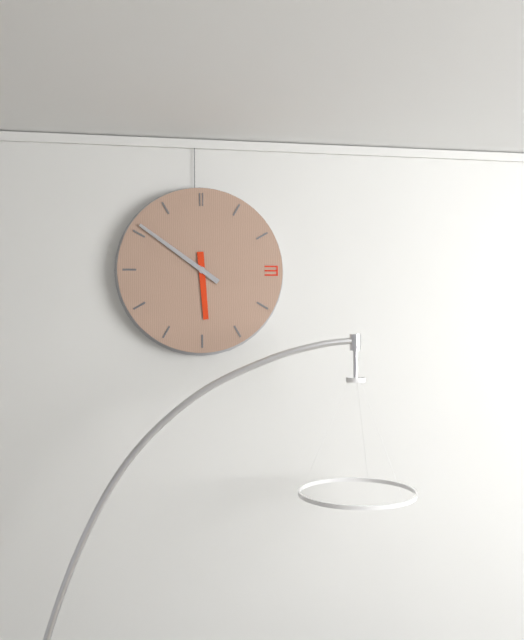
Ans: 5:51
